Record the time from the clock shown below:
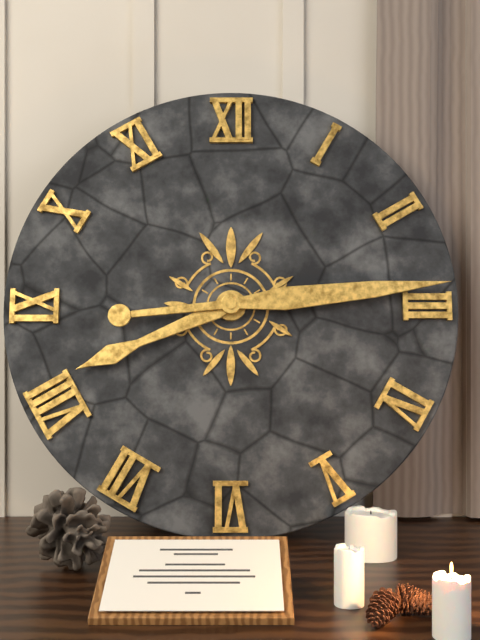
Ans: 8:14
